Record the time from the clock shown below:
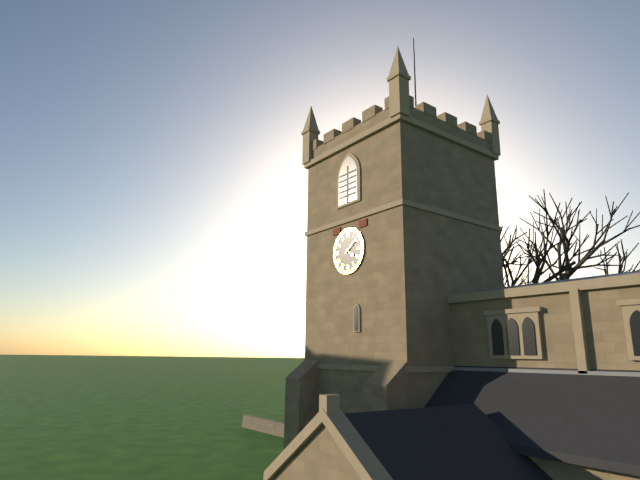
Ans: 4:09
